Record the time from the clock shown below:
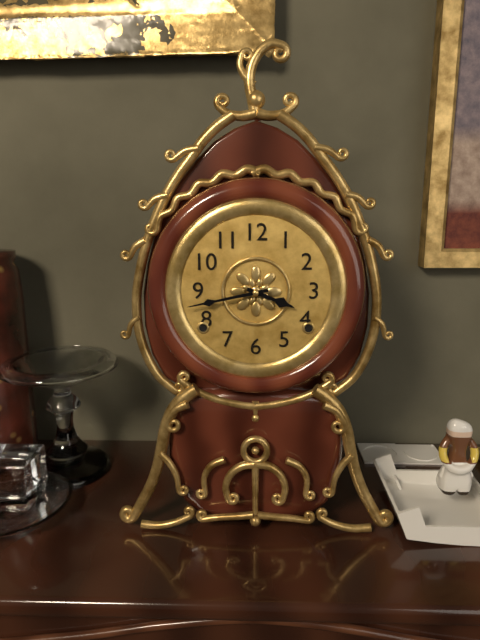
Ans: 3:43
